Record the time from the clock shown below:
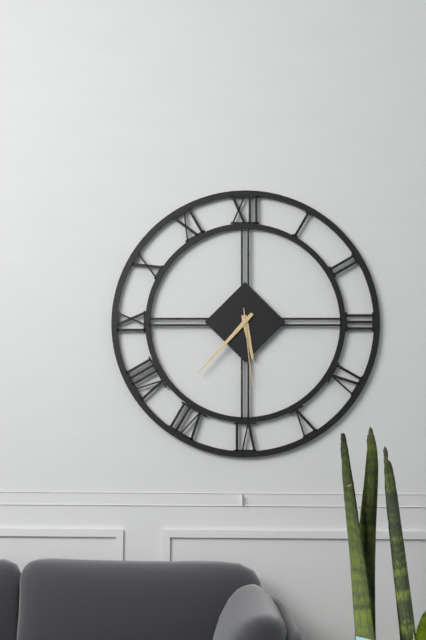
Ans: 5:37:29
